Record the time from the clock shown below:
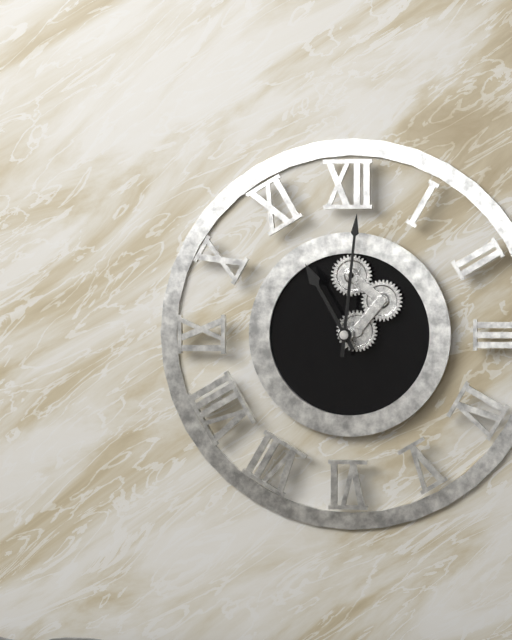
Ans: 11:01
